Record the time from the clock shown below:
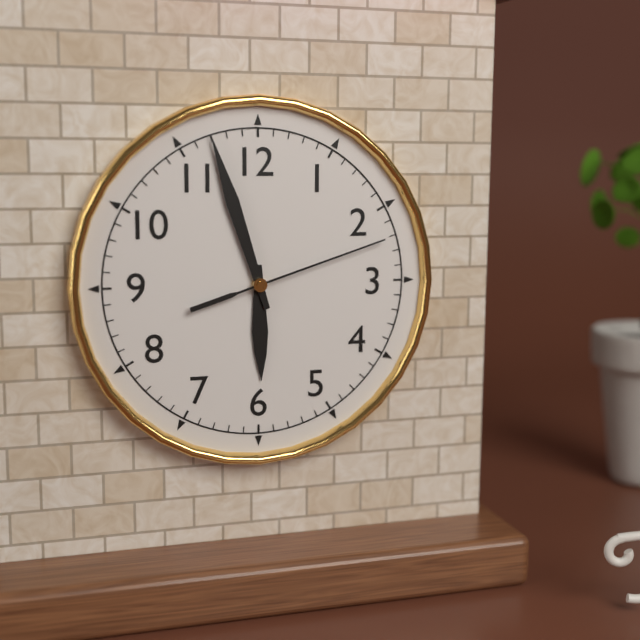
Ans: 5:57:12
